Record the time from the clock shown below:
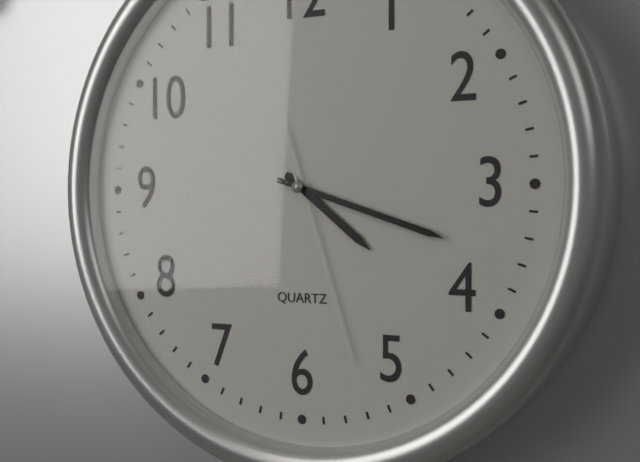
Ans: 4:18:27
